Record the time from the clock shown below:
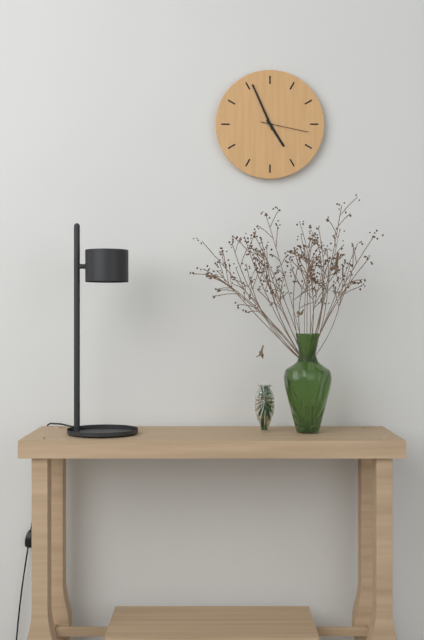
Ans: 4:56
